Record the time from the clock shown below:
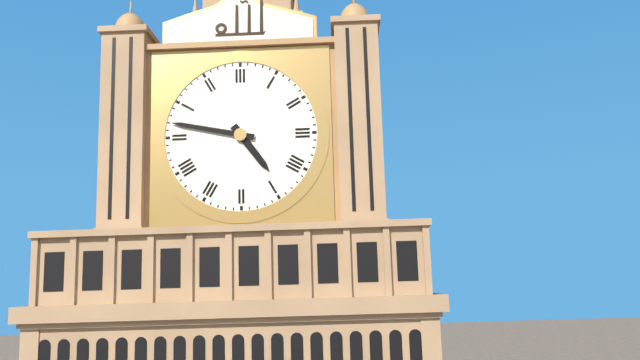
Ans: 4:47
